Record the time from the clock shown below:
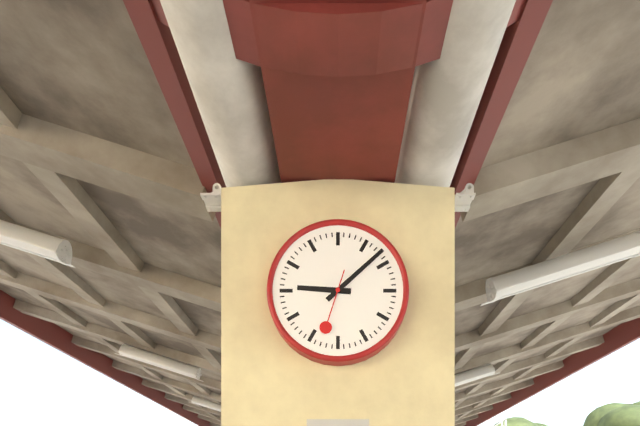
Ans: 9:08:33
